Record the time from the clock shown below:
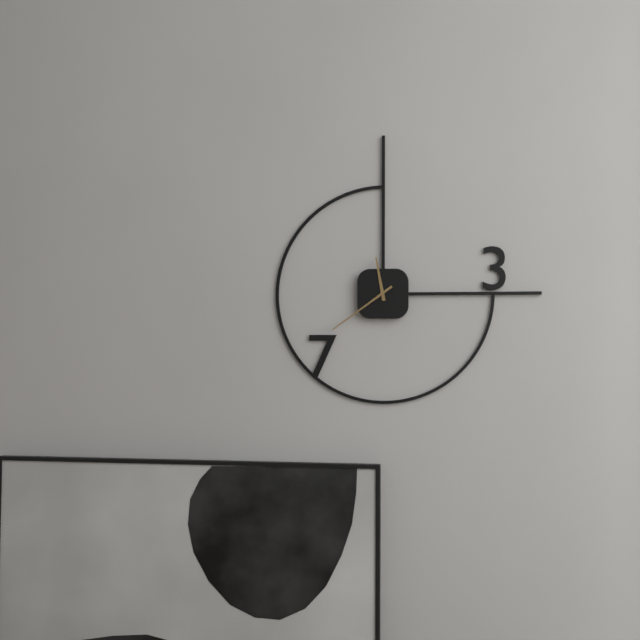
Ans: 11:39
